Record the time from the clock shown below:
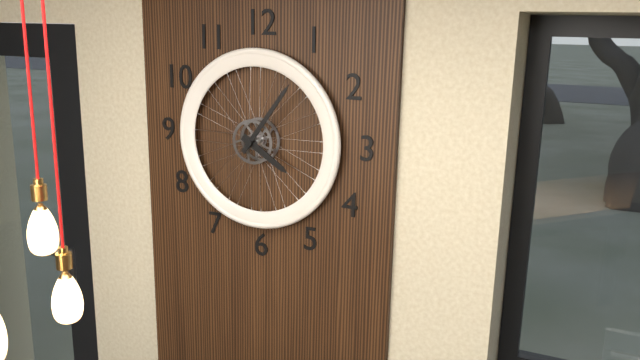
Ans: 4:06
